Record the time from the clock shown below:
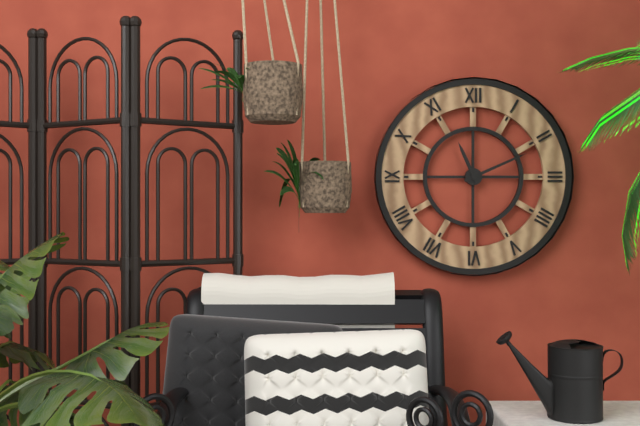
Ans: 11:11
